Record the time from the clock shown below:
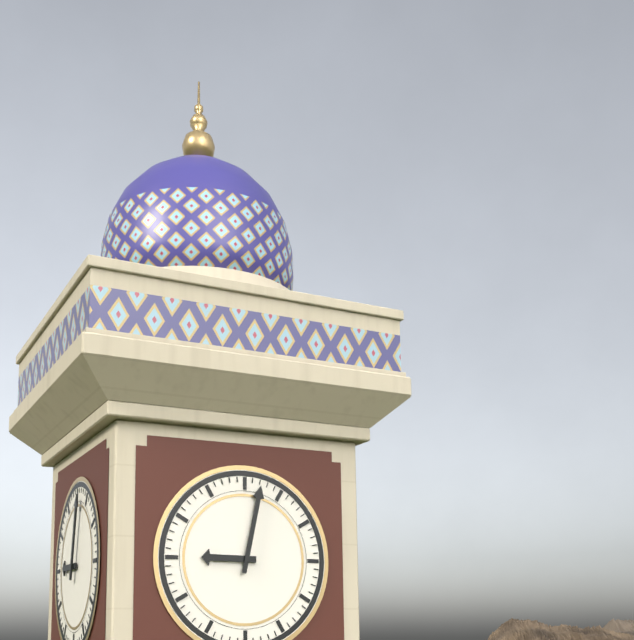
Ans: 9:02
